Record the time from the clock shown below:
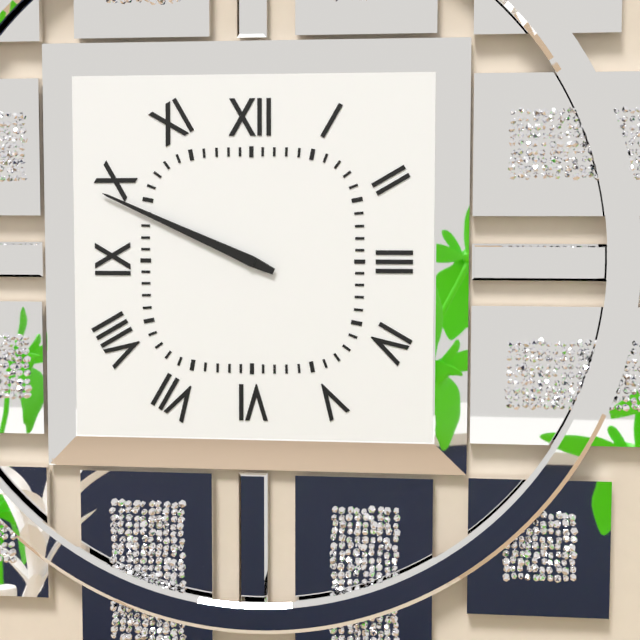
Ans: 9:49
